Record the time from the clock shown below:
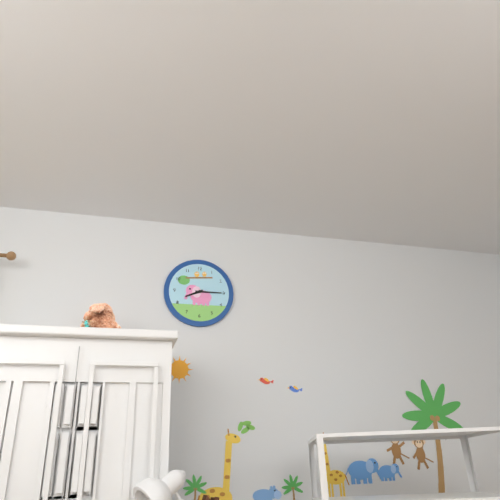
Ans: 8:15
